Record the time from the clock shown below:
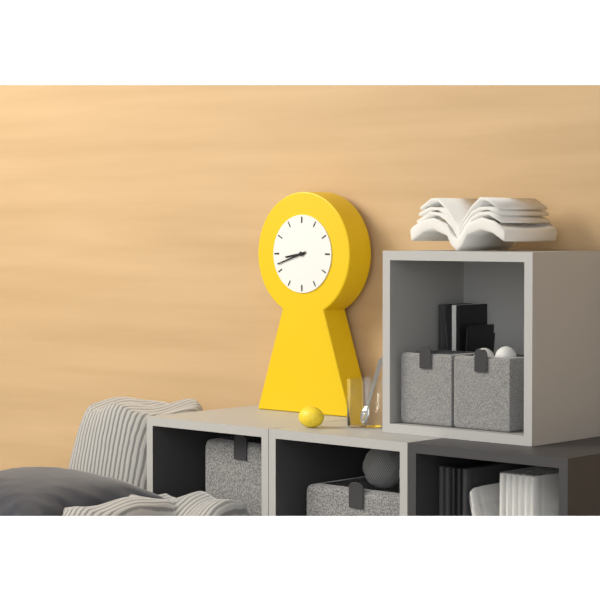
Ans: 8:42
